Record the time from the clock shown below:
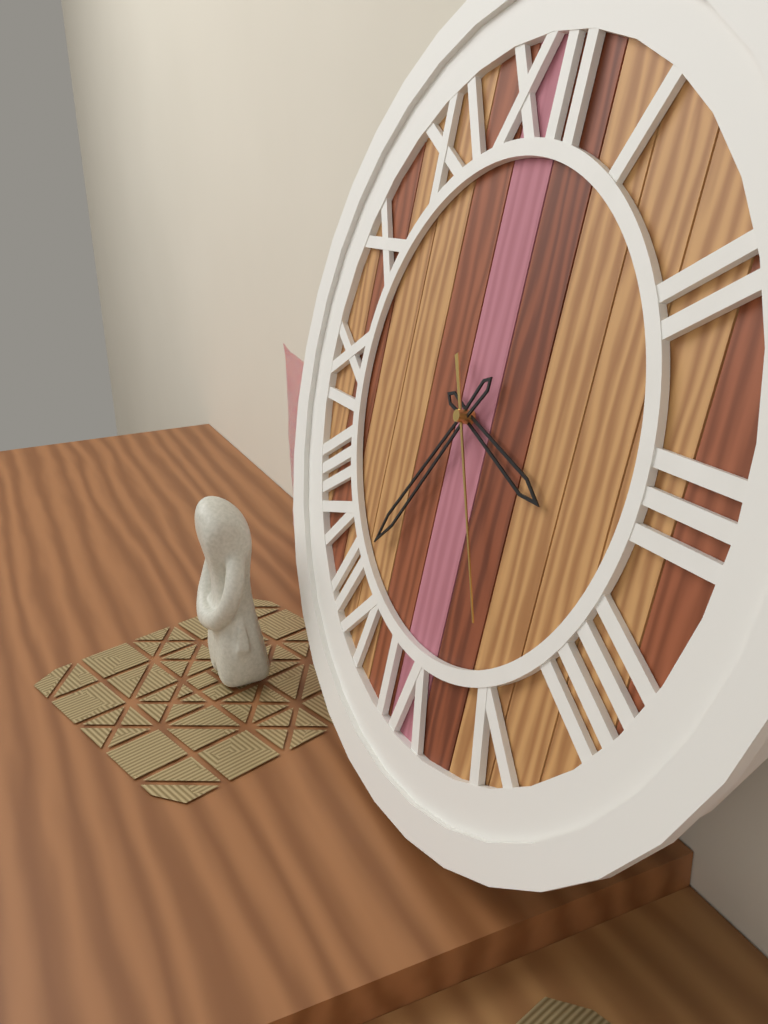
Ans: 3:36:25
